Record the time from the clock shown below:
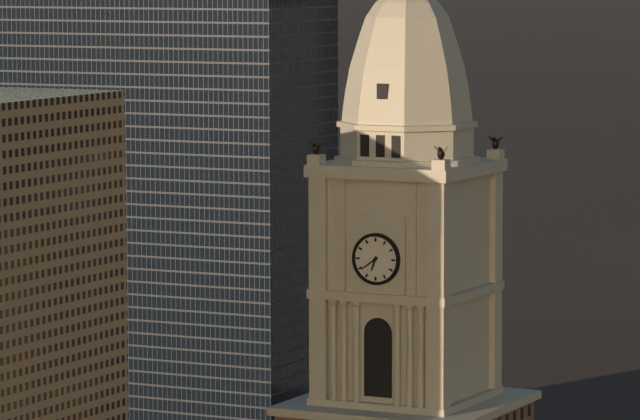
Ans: 6:39
